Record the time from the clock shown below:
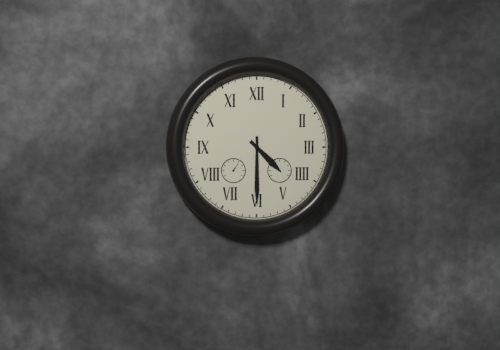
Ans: 4:30
